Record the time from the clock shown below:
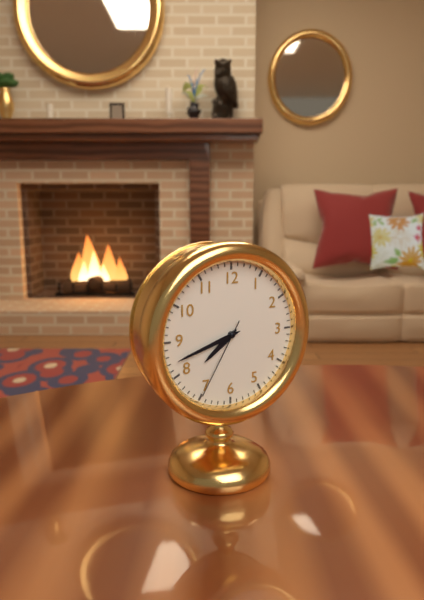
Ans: 7:42:35
